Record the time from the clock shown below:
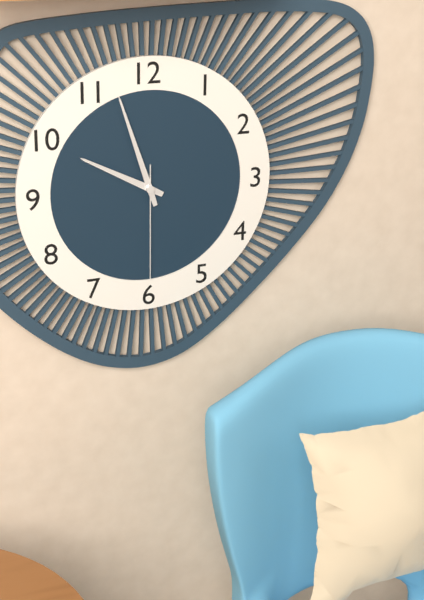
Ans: 9:57:30
